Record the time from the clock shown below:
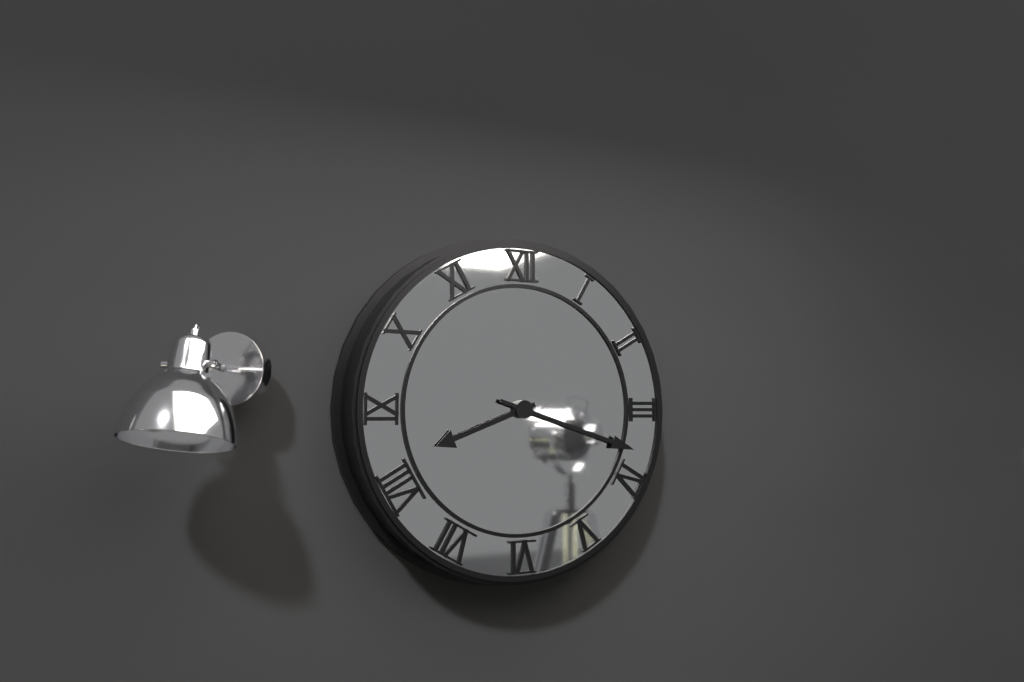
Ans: 8:18
